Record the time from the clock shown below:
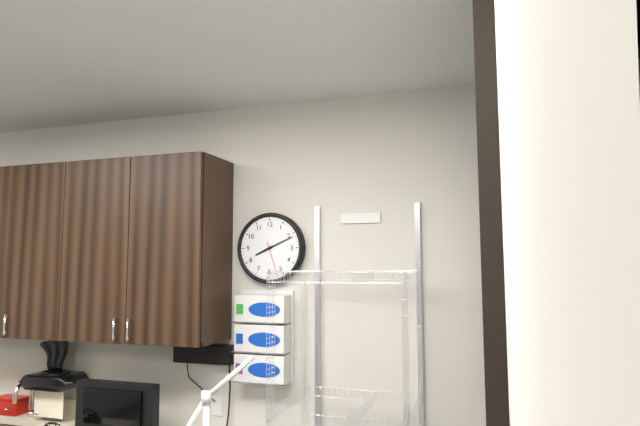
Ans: 8:11
